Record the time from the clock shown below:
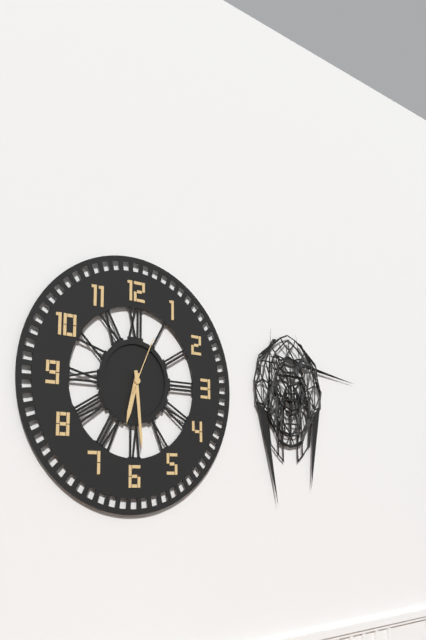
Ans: 6:29:04
